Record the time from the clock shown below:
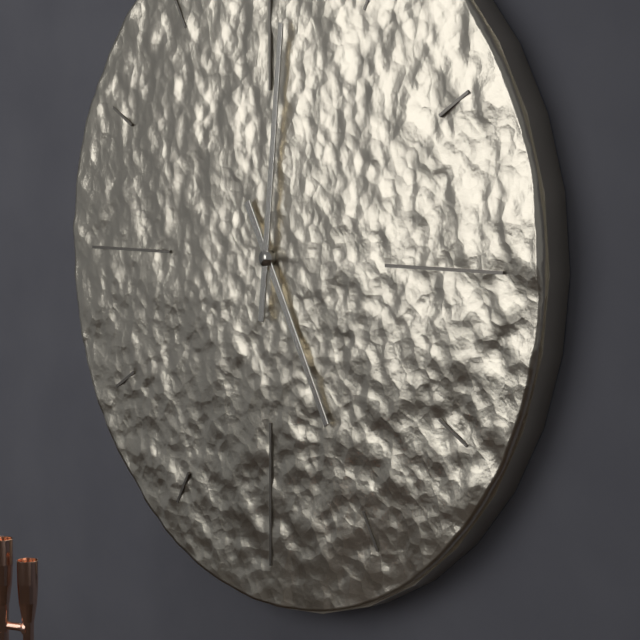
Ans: 5:01
